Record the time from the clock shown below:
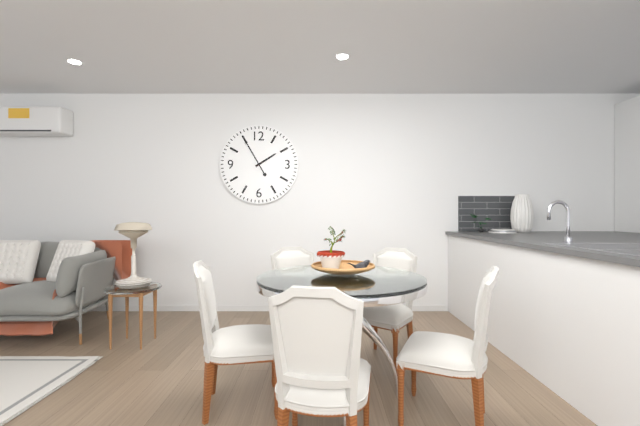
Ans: 1:55
